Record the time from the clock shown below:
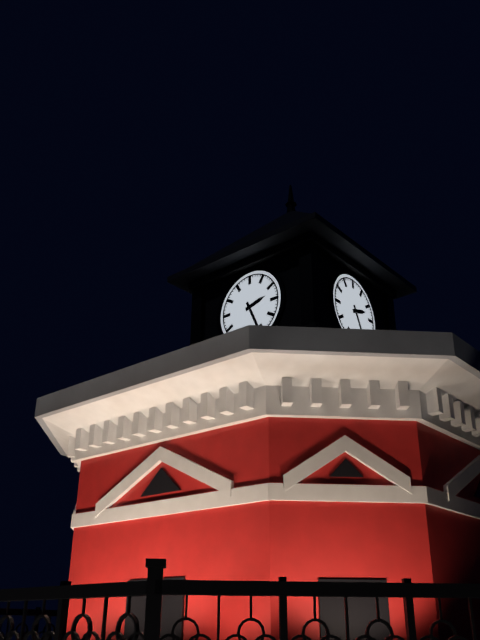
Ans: 2:26
